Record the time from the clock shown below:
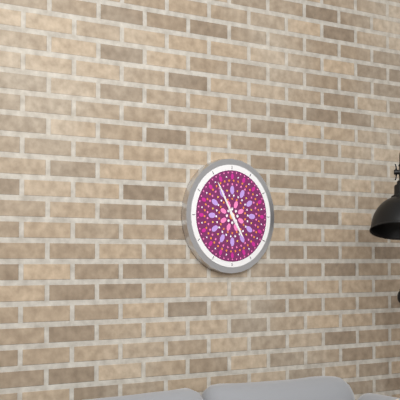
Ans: 4:55
